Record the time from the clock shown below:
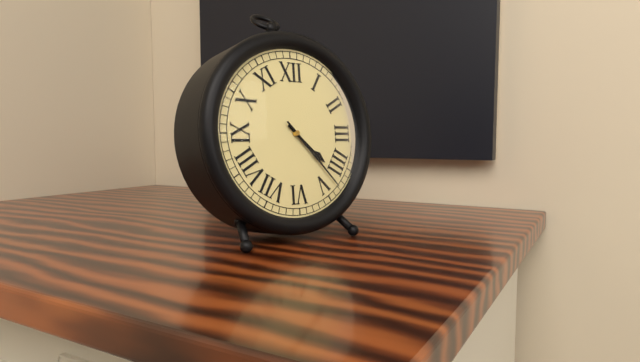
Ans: 4:23
